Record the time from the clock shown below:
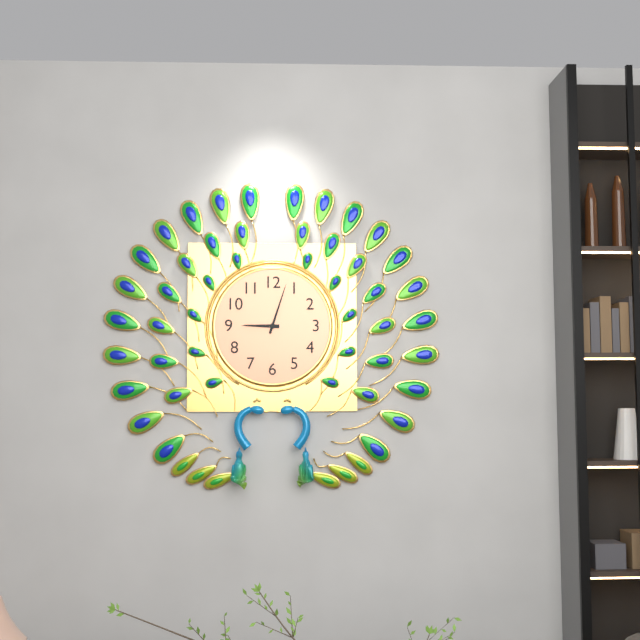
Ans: 9:03
